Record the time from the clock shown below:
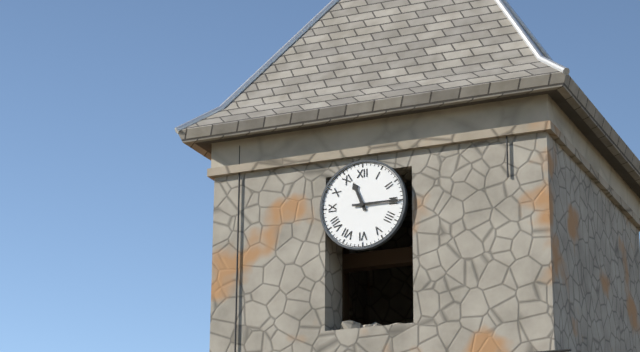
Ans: 11:15
